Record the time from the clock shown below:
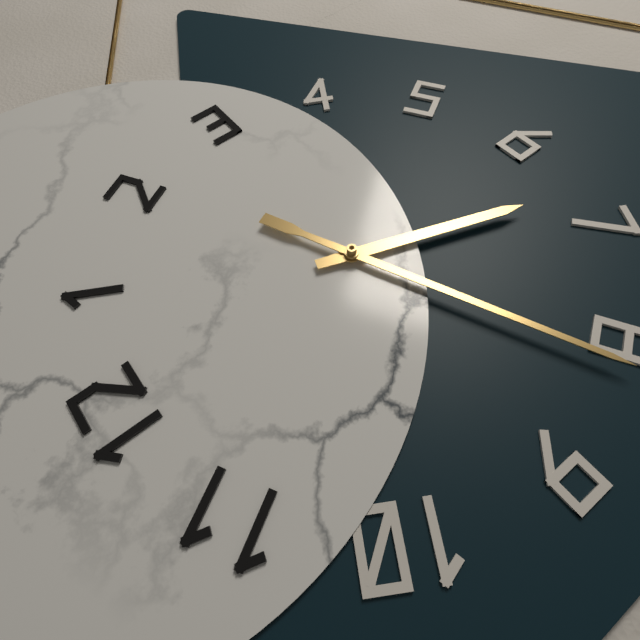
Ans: 6:41
